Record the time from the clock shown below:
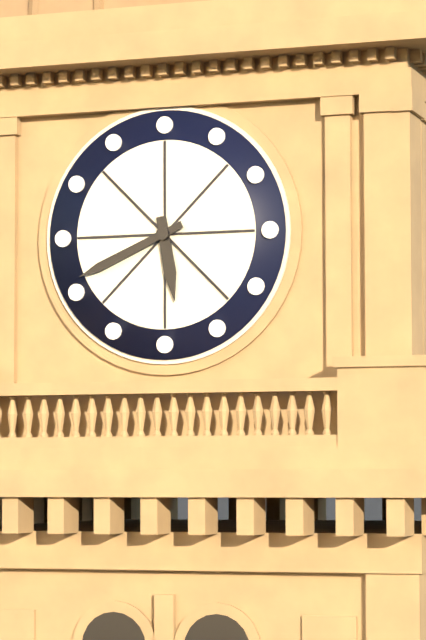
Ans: 5:41
